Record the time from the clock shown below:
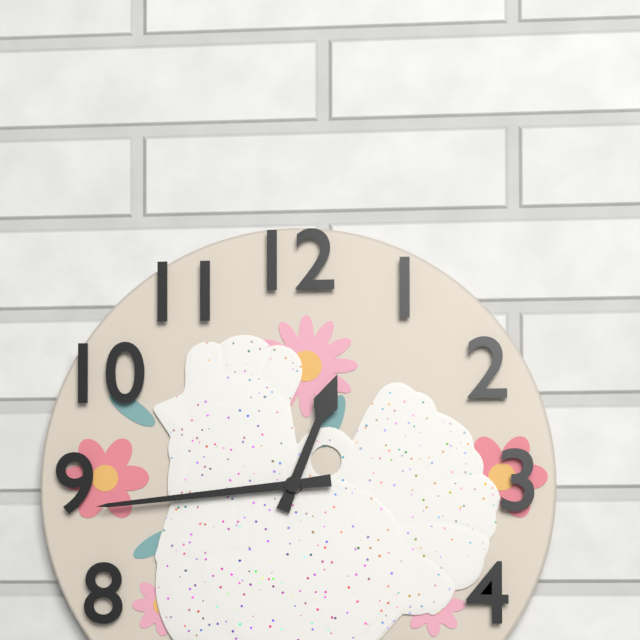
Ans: 12:44
